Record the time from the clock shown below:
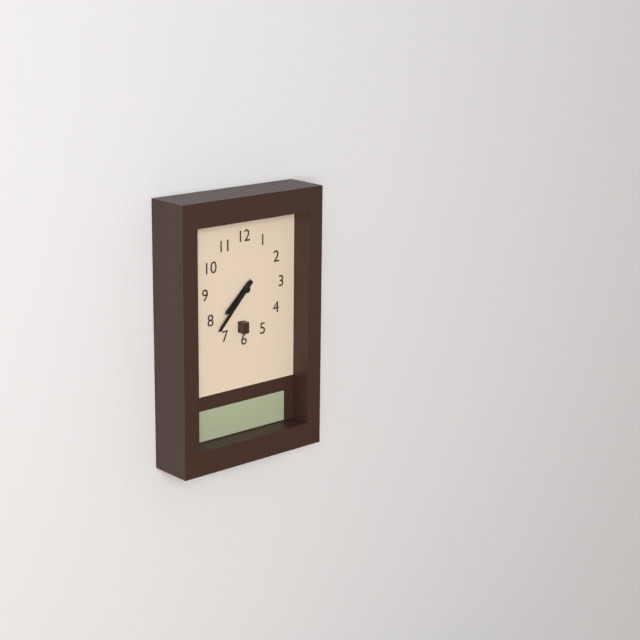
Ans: 7:37
